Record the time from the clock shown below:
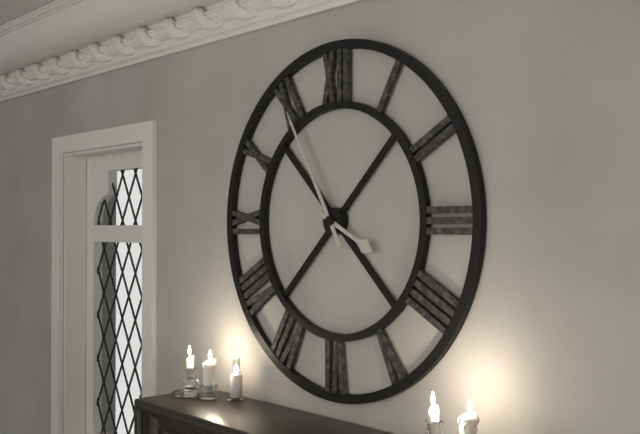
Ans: 3:55
